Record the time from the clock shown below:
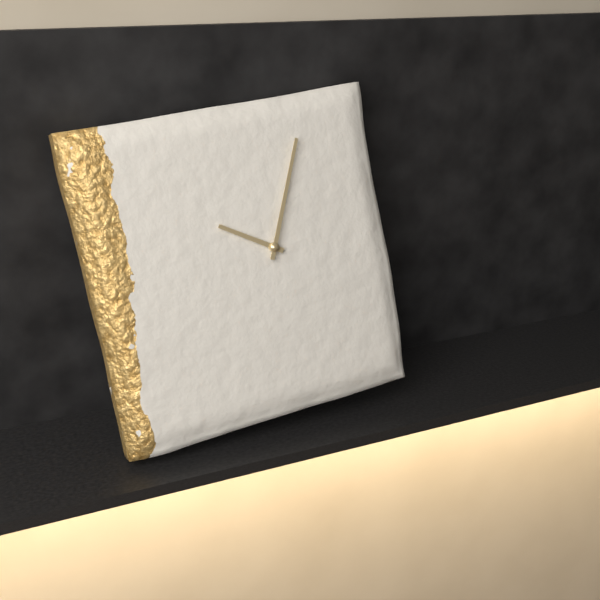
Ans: 10:04
